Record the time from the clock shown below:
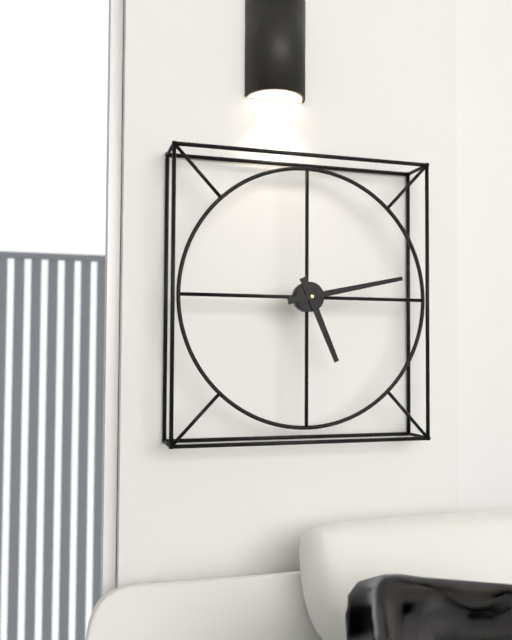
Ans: 5:13
